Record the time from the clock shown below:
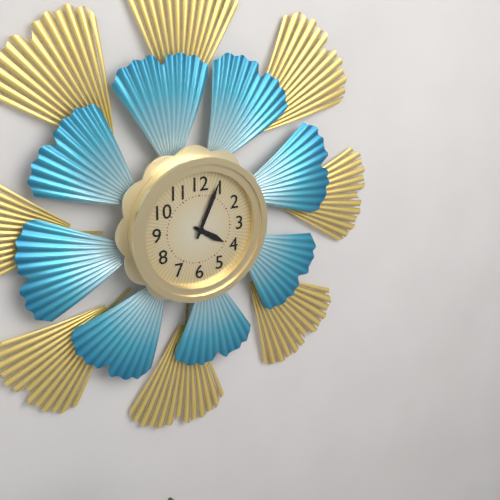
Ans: 4:04
